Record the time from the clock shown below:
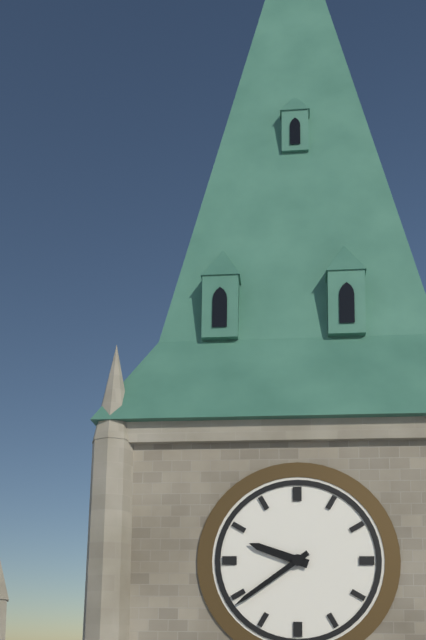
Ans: 9:39
